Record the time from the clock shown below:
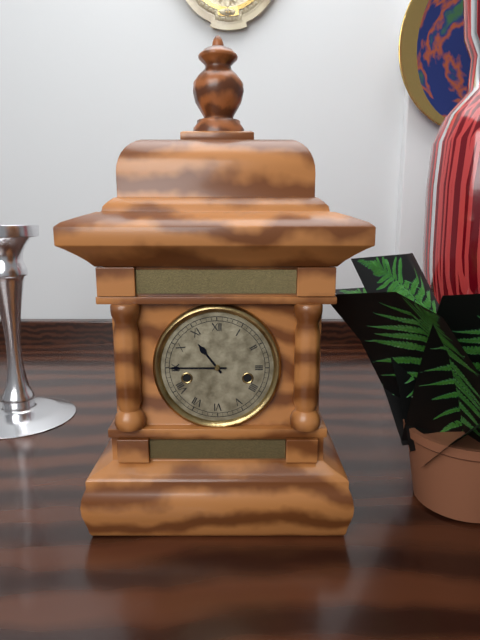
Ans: 10:45
